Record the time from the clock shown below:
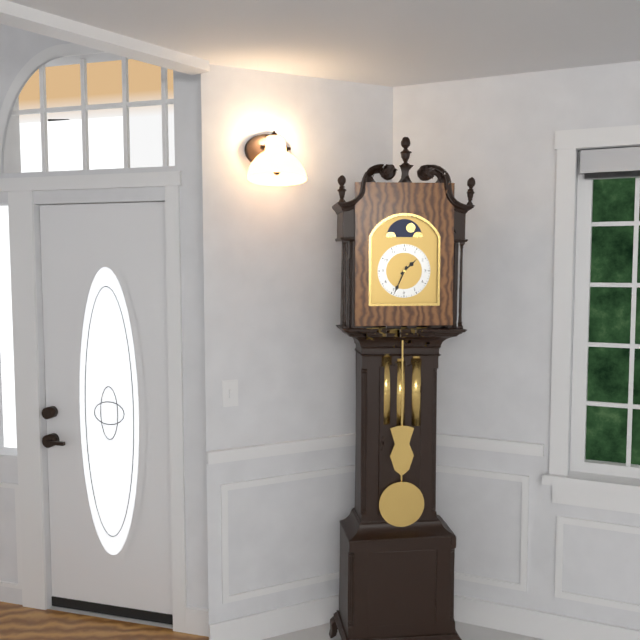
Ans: 1:34
